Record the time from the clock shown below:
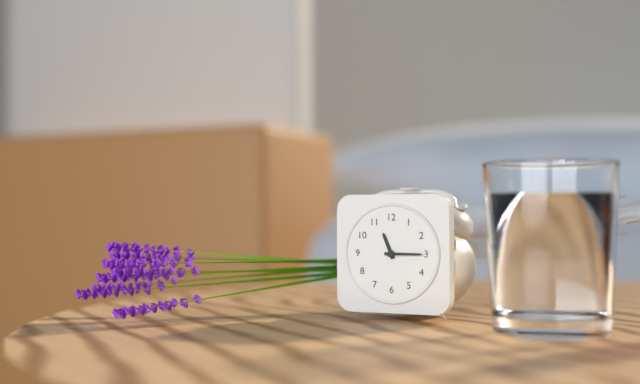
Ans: 11:15
